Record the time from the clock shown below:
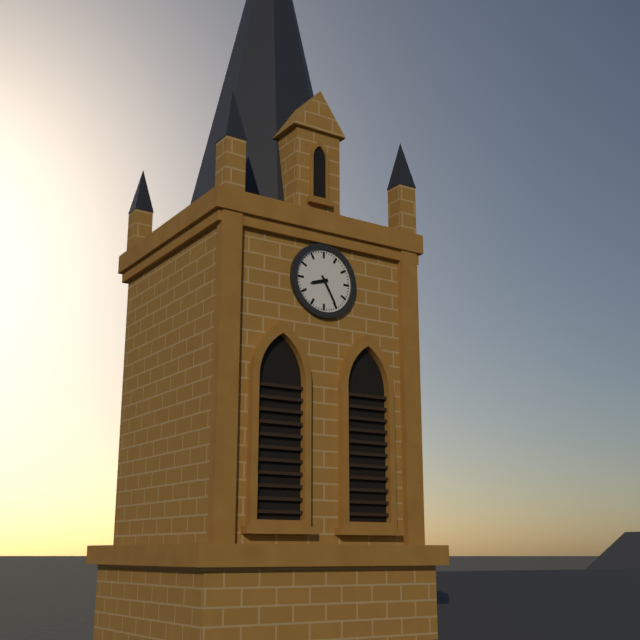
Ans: 8:25
